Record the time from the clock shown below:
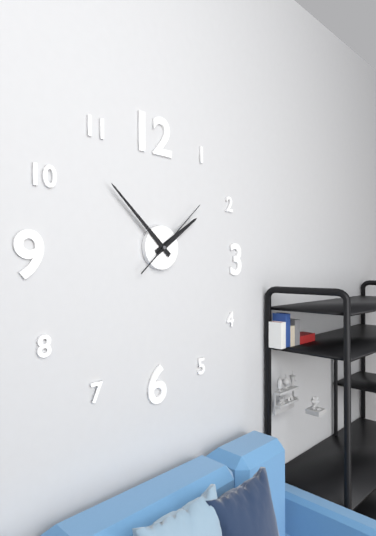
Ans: 1:52:08
